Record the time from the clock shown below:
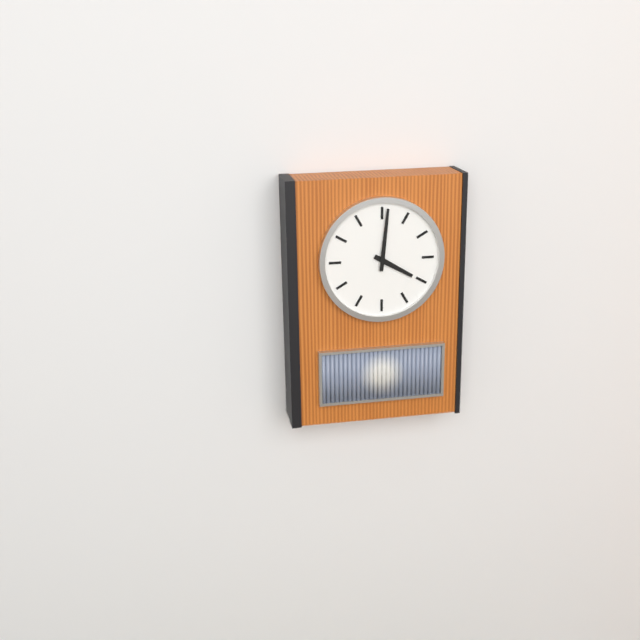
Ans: 4:01
